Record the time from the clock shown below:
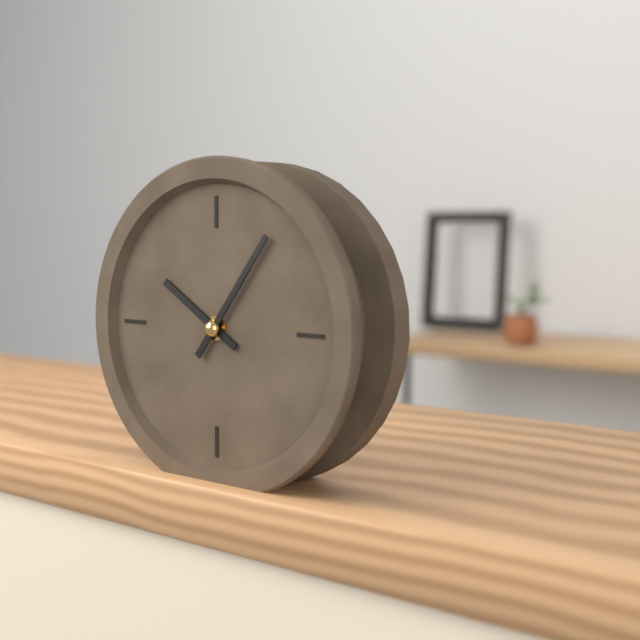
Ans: 10:06
